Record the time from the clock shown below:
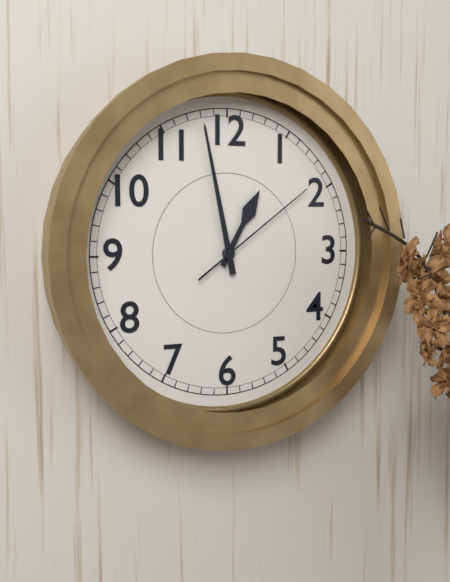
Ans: 12:58:09
